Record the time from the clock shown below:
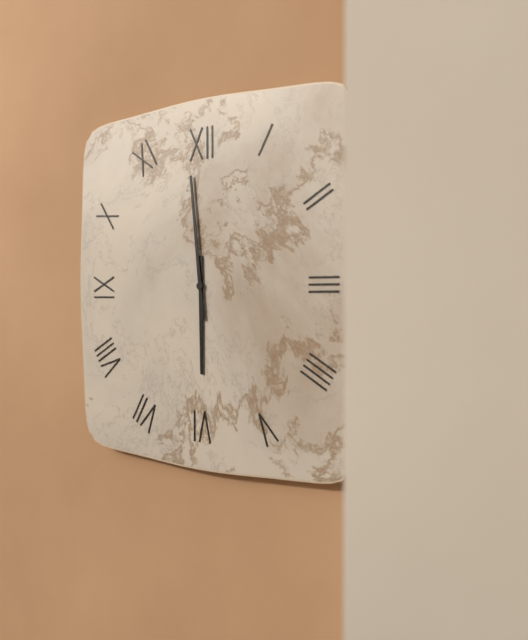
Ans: 5:59
